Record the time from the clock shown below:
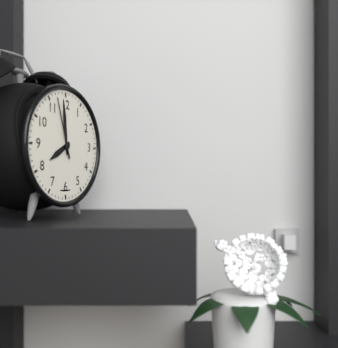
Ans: 7:59:57
